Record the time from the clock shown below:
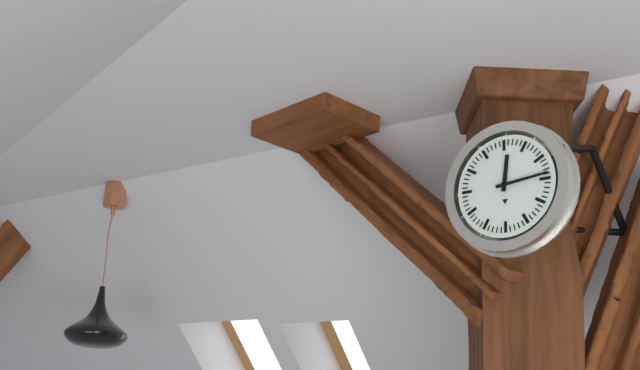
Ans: 12:14
